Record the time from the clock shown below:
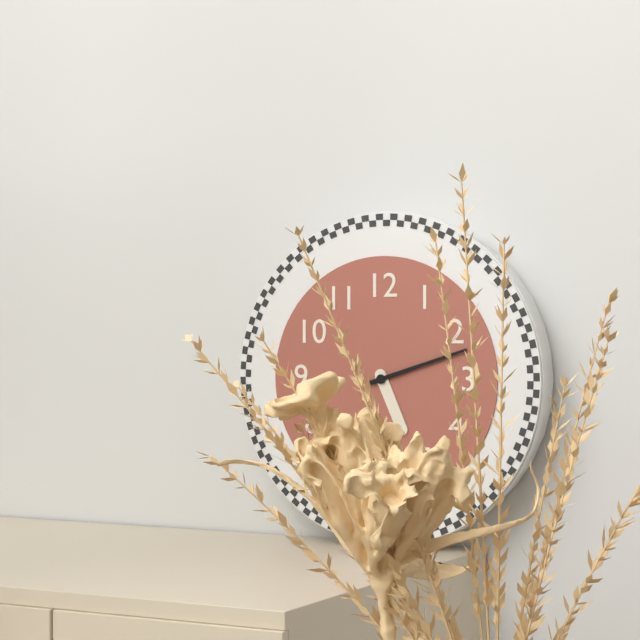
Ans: 5:12
